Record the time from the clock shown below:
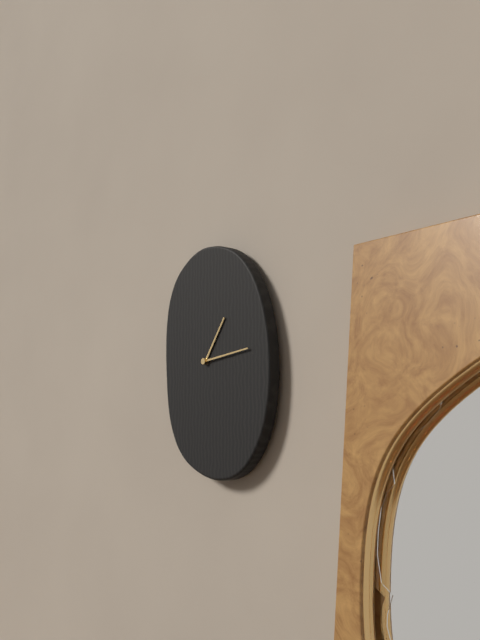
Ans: 1:14
